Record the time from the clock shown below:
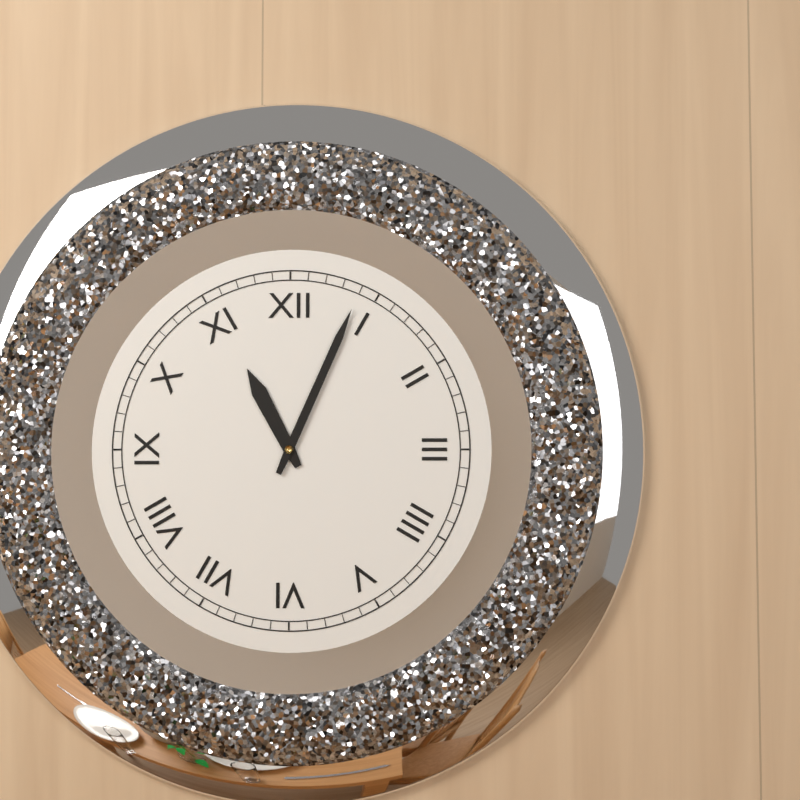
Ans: 11:04
